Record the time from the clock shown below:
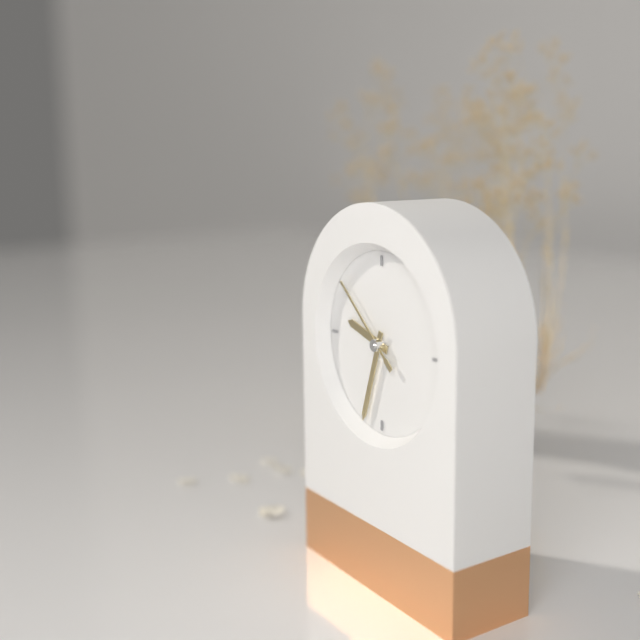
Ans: 9:33:52
